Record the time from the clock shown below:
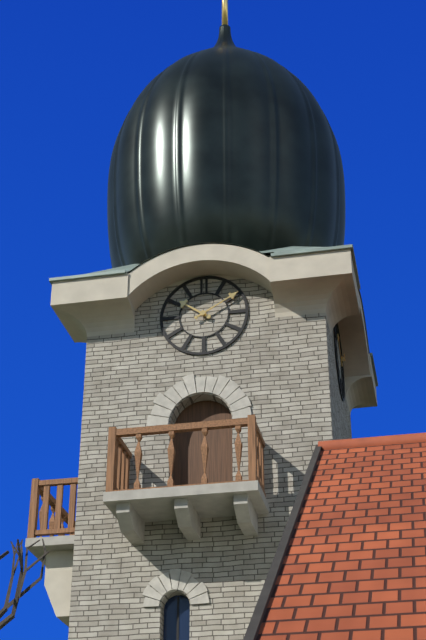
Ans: 10:10
